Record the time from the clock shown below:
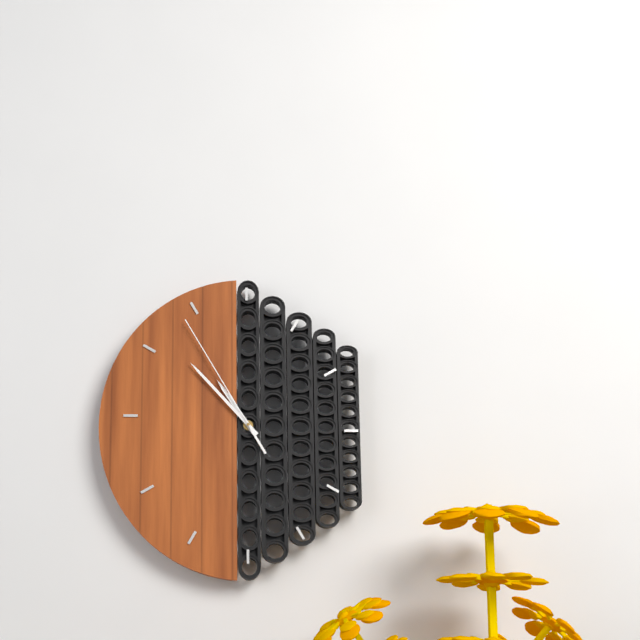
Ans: 10:53:55
